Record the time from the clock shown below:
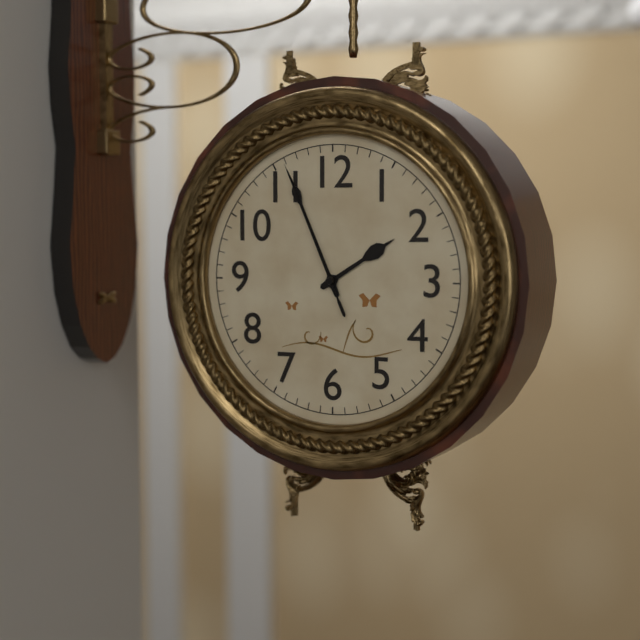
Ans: 1:56:56
